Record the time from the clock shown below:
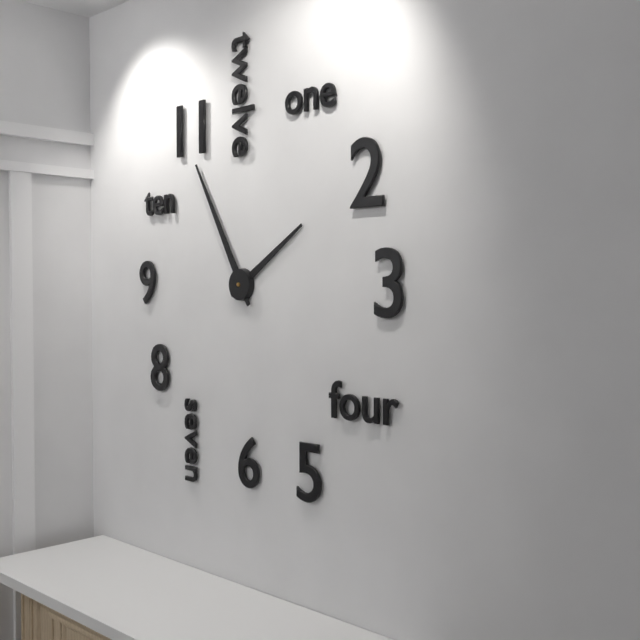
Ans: 1:55
